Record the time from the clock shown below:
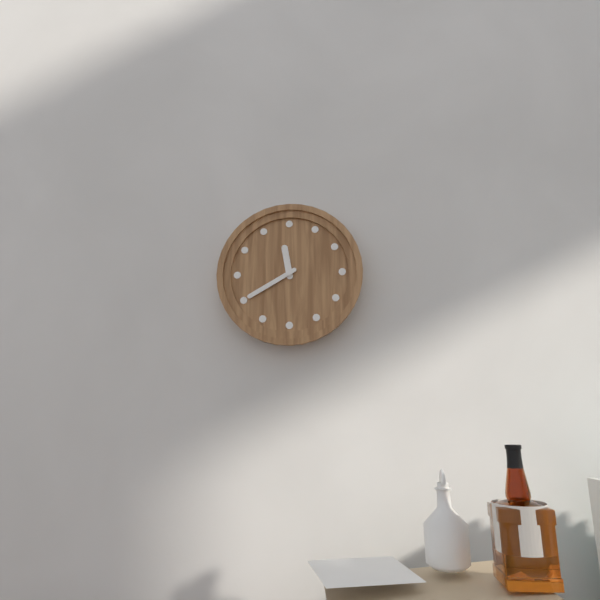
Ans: 11:40
